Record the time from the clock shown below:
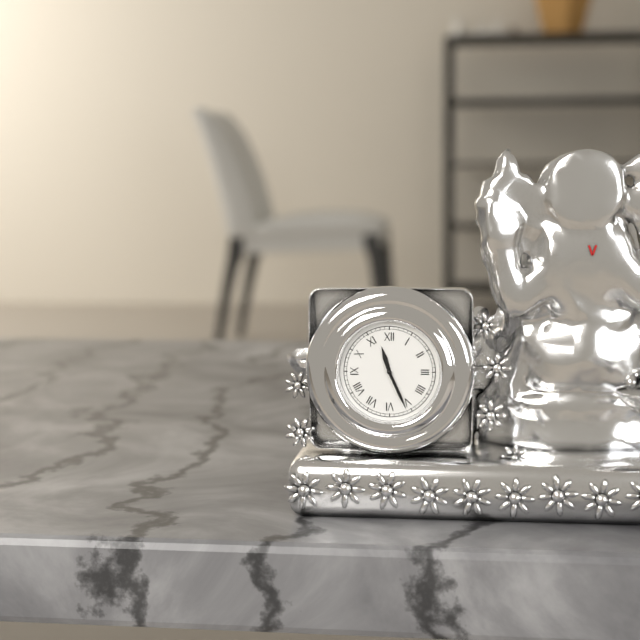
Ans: 11:26
